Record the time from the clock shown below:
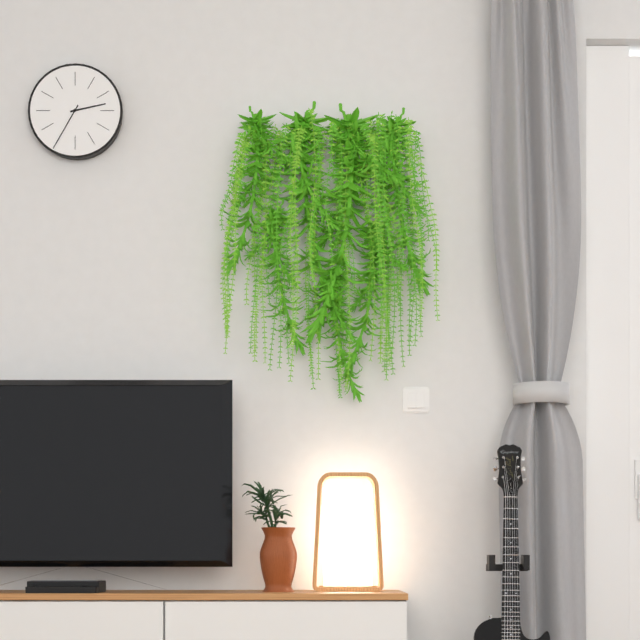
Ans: 2:35
